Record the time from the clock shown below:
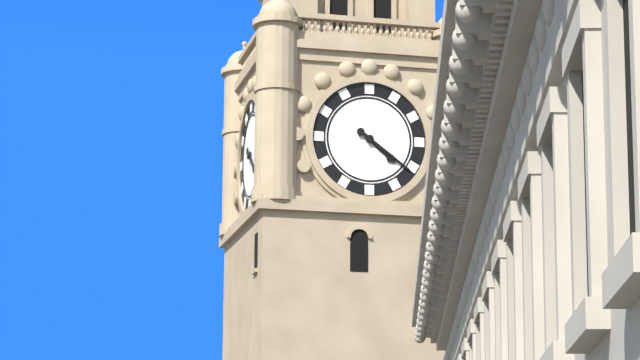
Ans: 4:21
